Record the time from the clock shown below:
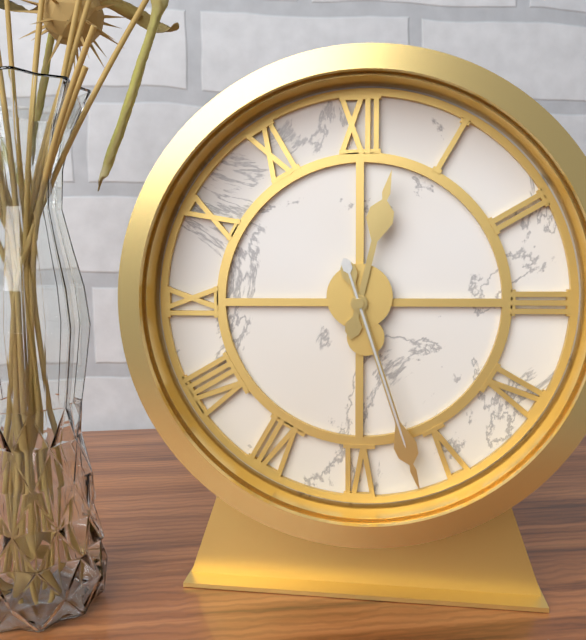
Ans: 12:27:27
